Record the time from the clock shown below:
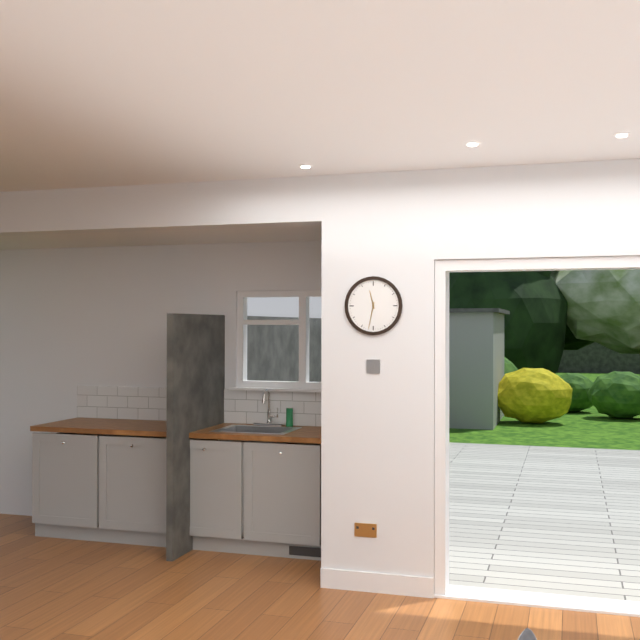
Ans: 11:32
